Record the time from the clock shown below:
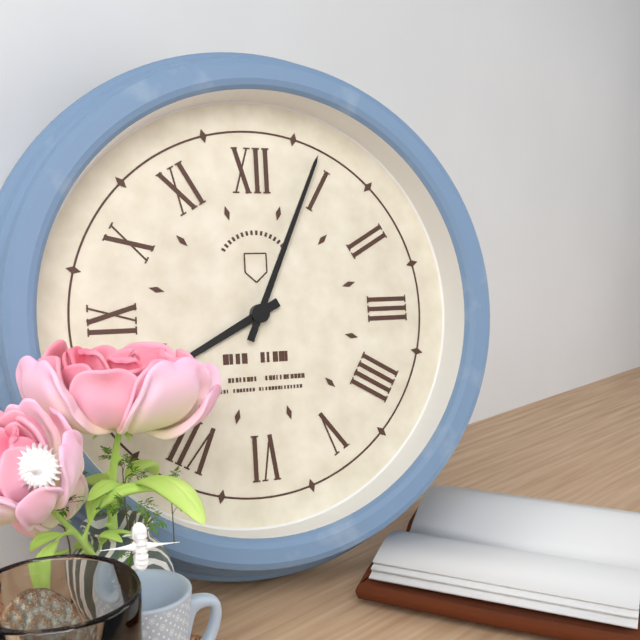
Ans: 8:04
